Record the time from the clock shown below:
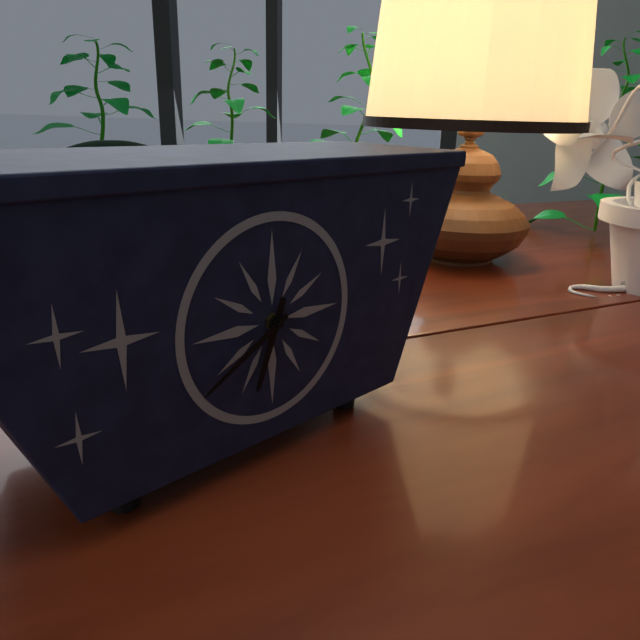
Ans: 6:40
